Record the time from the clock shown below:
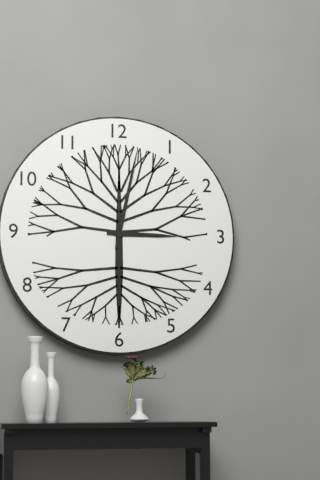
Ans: 3:02
